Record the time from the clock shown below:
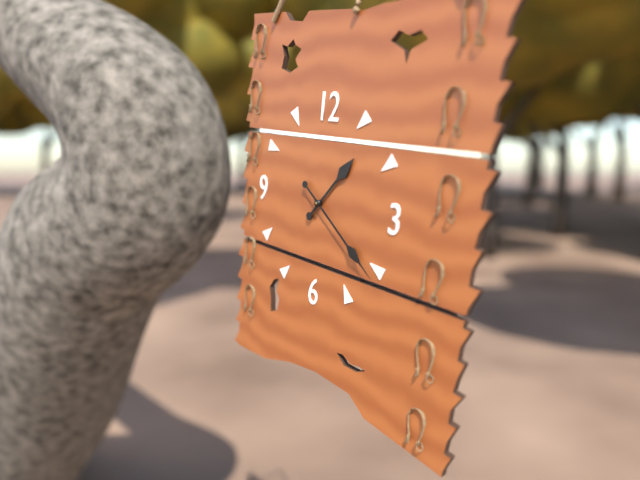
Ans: 1:21
